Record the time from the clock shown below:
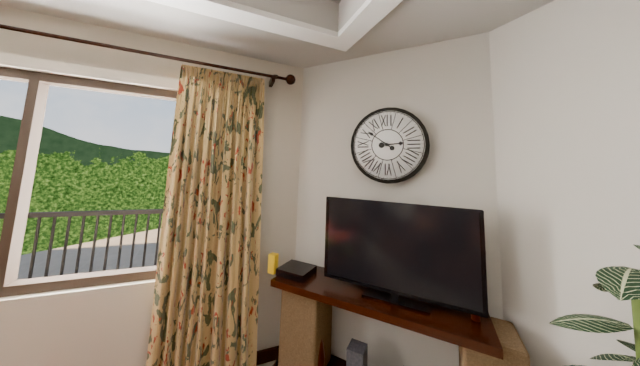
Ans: 2:51
